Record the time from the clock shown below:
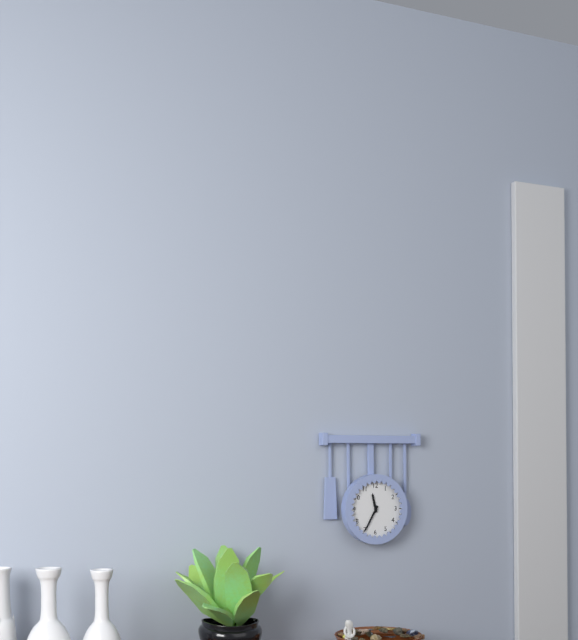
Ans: 11:35
